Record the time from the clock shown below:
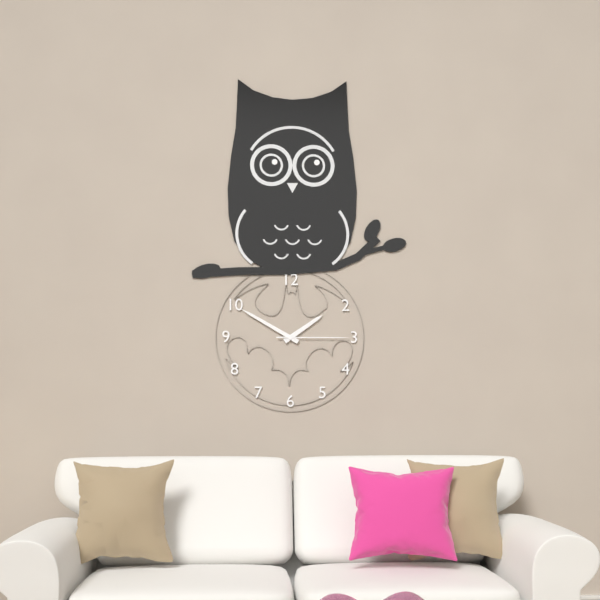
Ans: 1:50:15
